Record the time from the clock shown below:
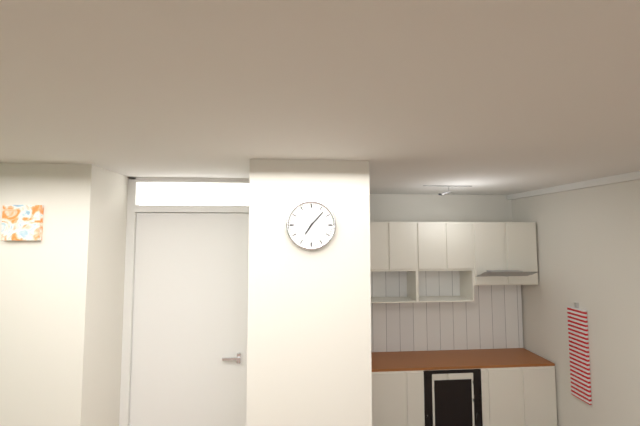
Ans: 7:07
